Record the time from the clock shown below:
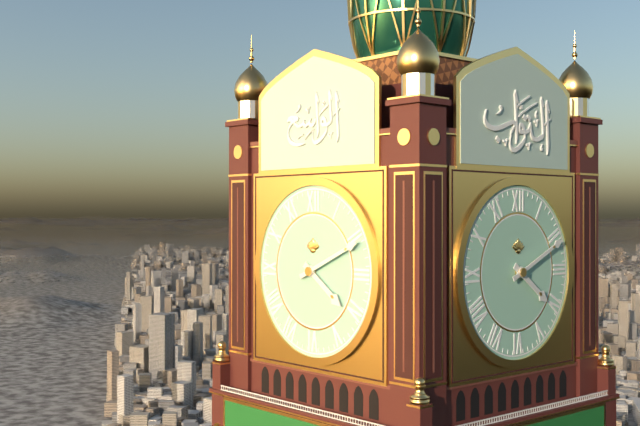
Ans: 4:11
